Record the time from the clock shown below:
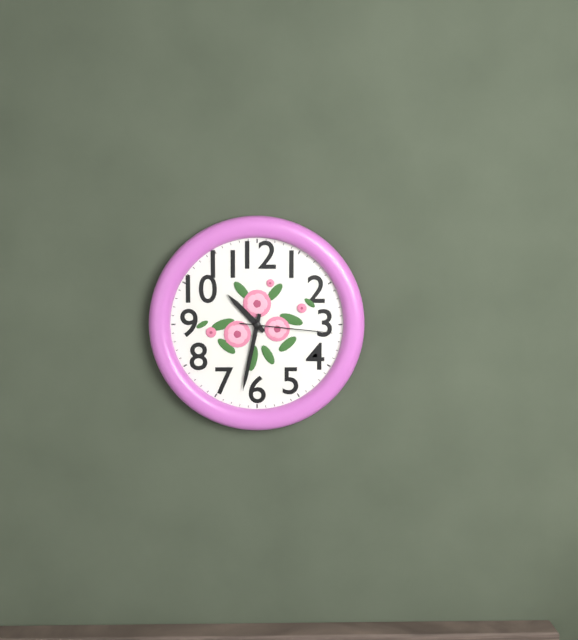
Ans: 10:32:16
